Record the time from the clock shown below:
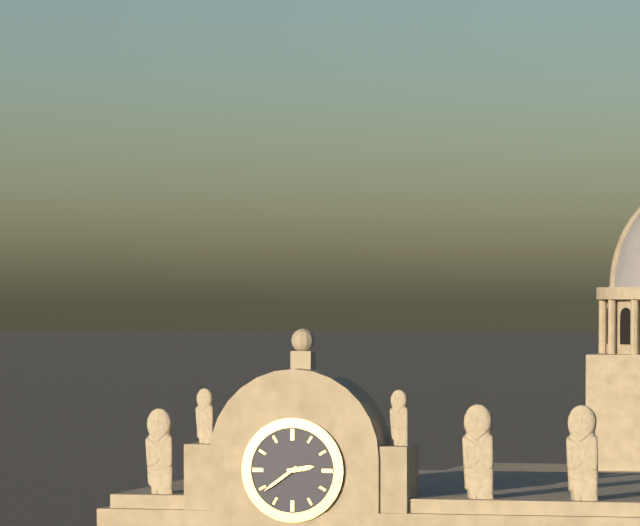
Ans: 2:39
